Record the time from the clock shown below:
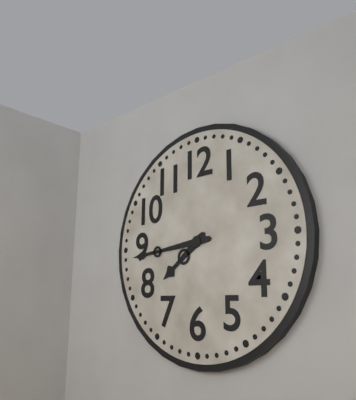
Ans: 7:44
